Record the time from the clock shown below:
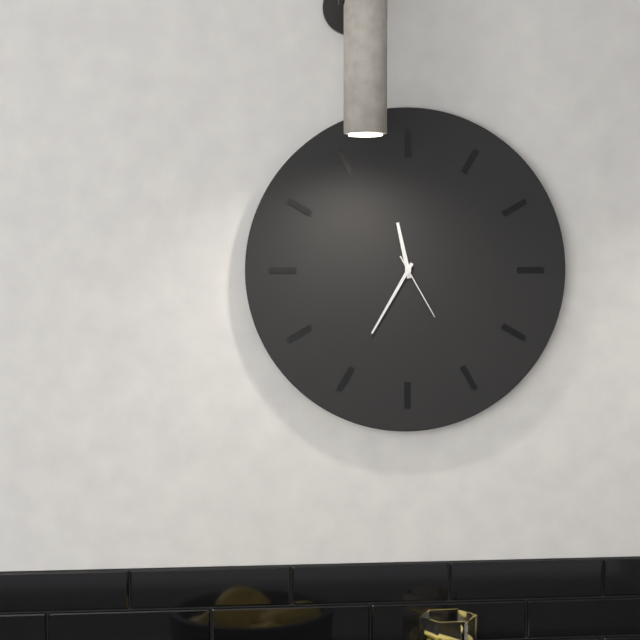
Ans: 11:35:25
